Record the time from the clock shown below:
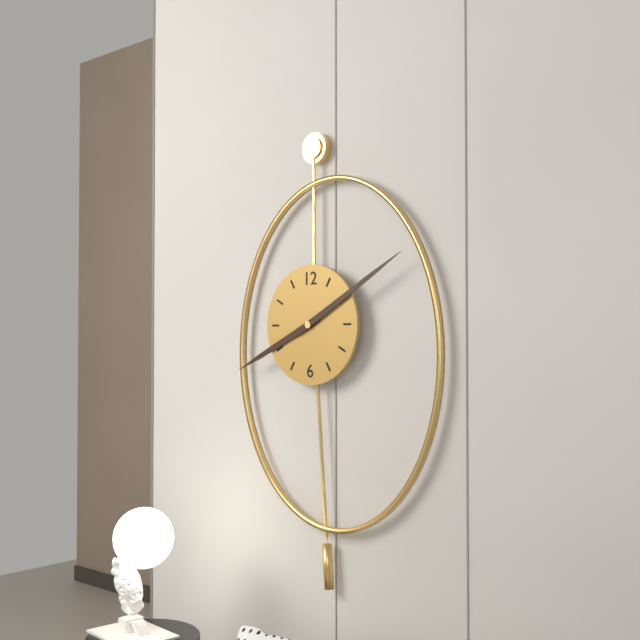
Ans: 8:10
